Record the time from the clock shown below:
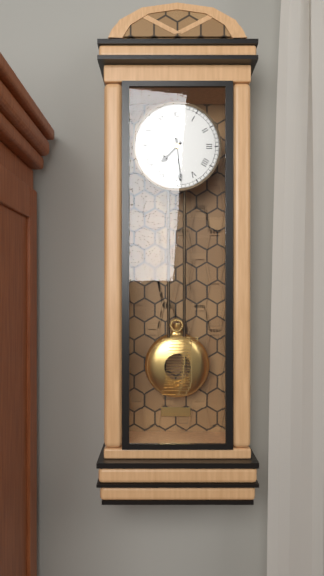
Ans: 7:29
